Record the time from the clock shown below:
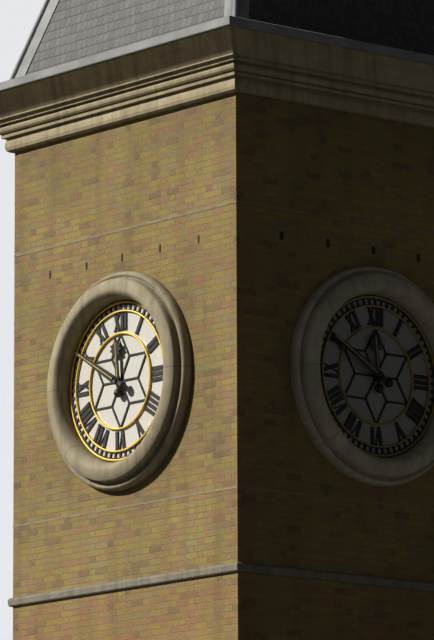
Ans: 11:50
